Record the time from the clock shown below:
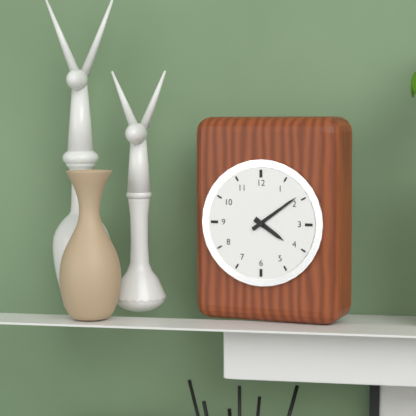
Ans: 4:09
